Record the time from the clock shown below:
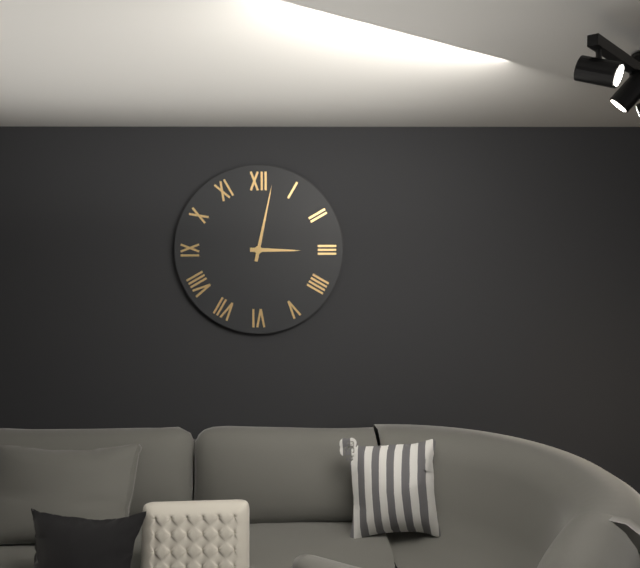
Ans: 3:02
